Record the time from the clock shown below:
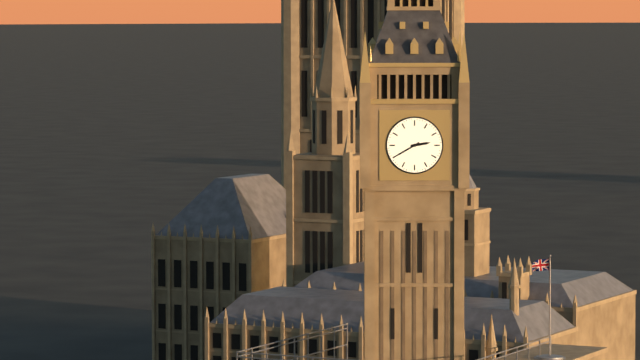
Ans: 2:40
